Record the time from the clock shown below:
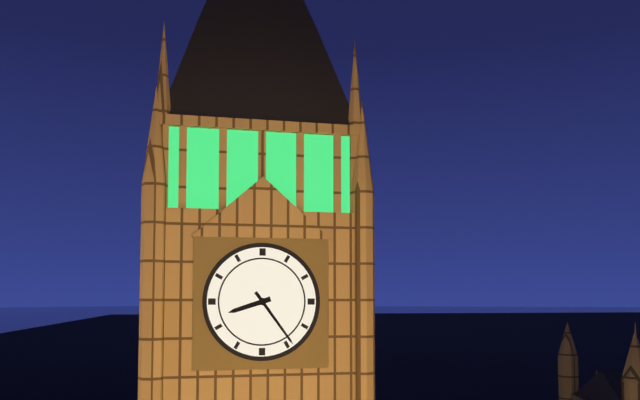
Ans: 8:24
